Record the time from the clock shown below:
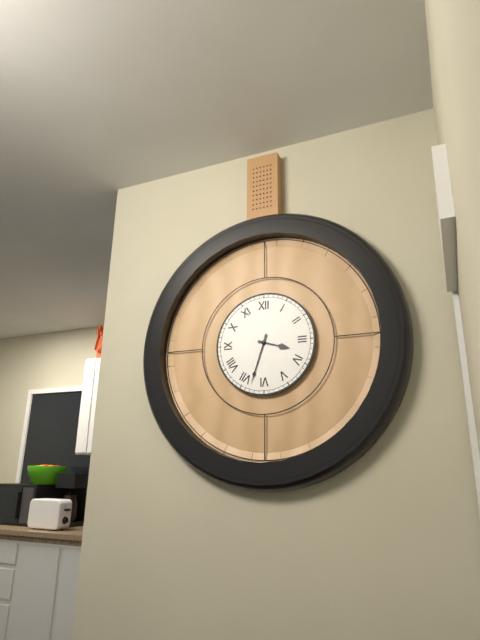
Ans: 3:33
